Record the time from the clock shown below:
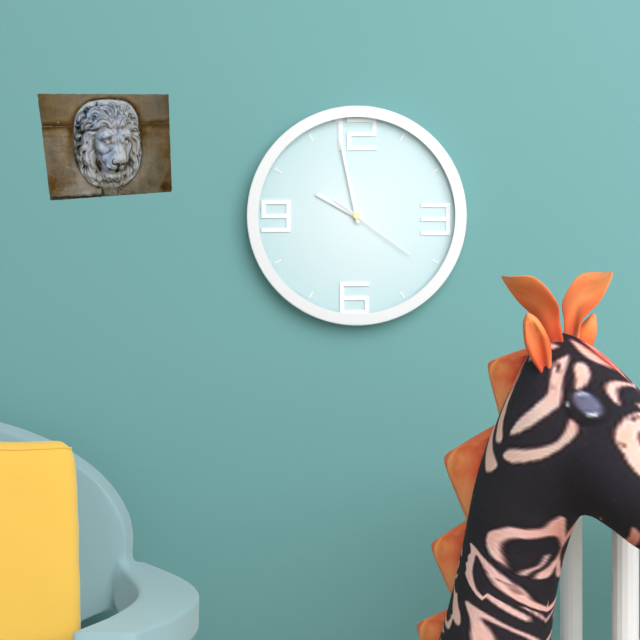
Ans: 9:58:21
